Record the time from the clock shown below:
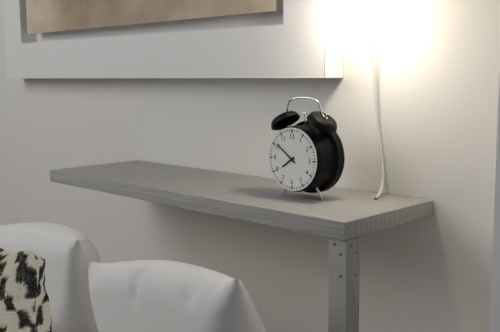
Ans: 7:51
